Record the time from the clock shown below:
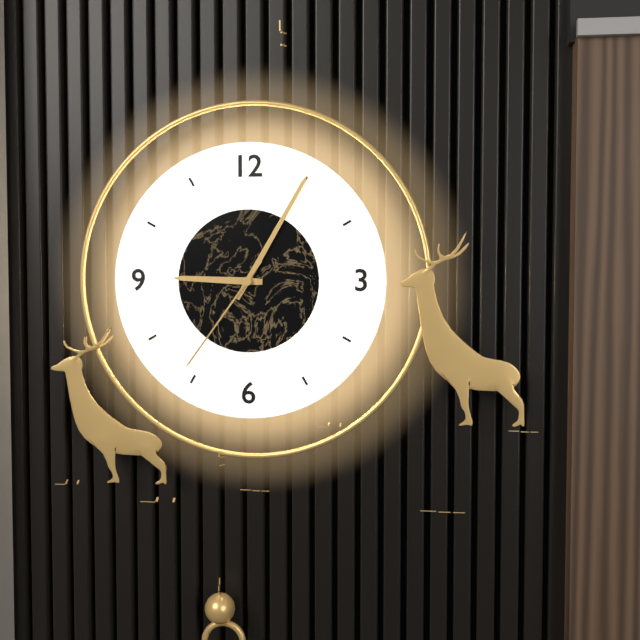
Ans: 9:05:36
